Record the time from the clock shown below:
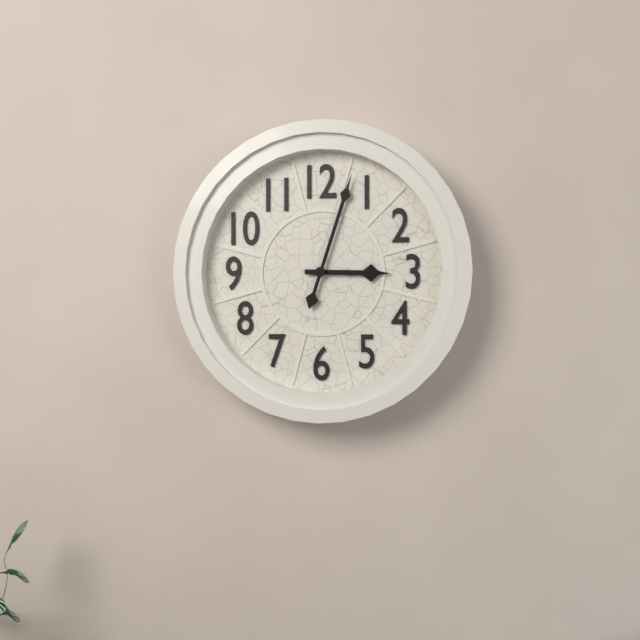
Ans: 3:03
